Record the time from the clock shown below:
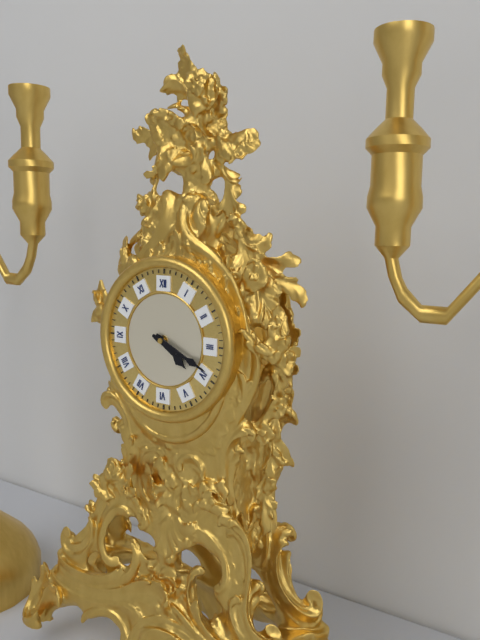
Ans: 4:19
